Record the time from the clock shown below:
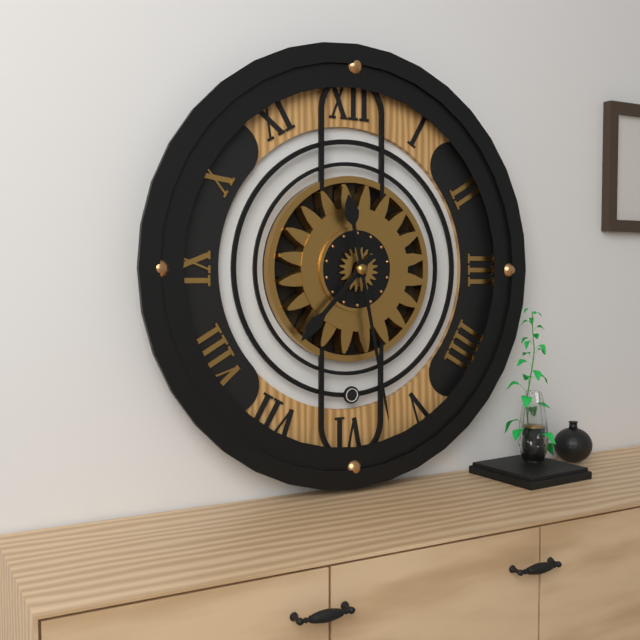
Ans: 7:28
